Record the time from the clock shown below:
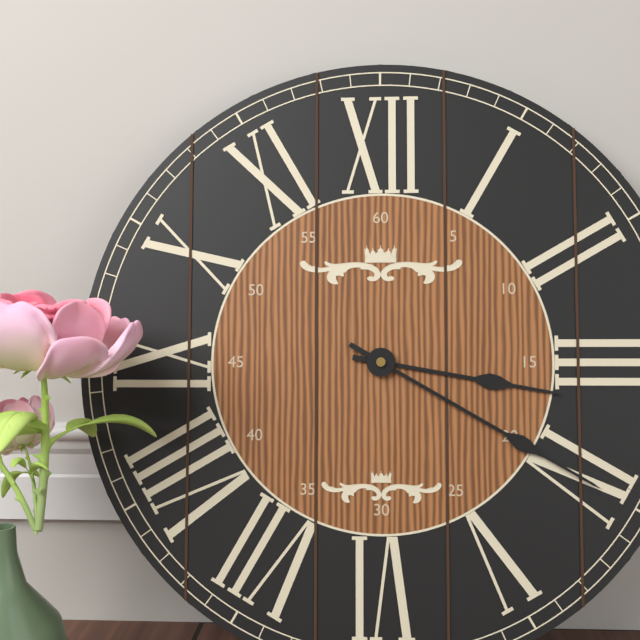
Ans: 3:20
